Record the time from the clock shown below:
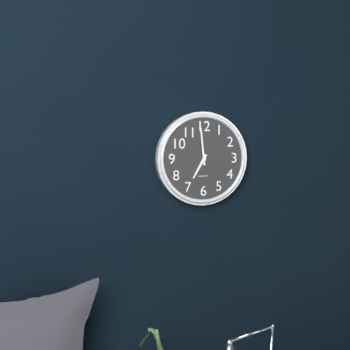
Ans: 6:59
